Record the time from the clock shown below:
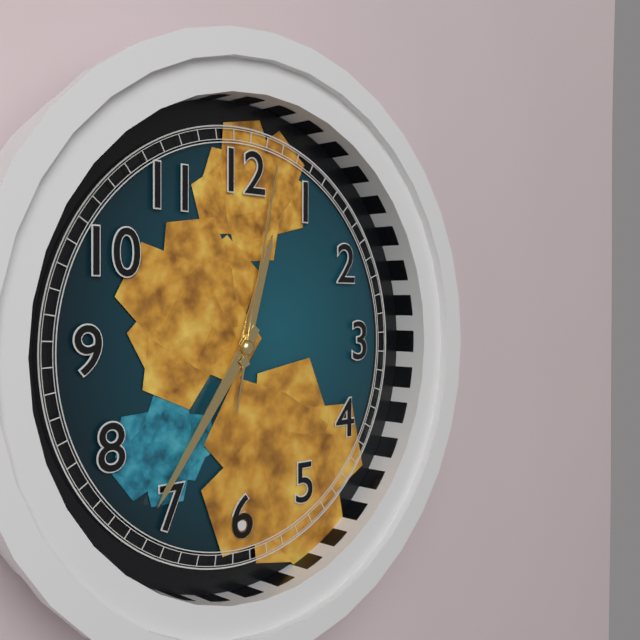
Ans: 12:36:02
